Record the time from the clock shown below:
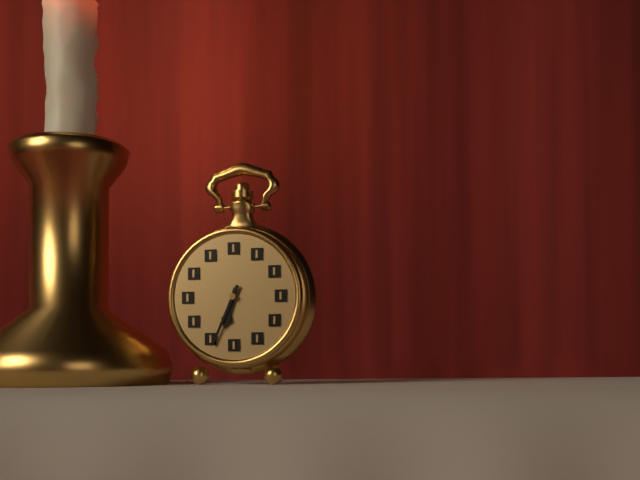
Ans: 6:34
